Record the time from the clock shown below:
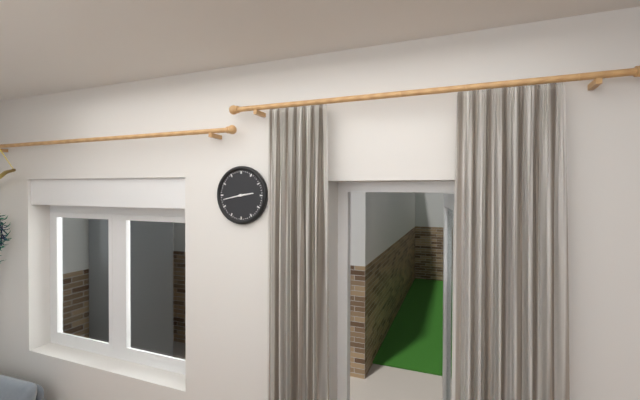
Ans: 2:43
